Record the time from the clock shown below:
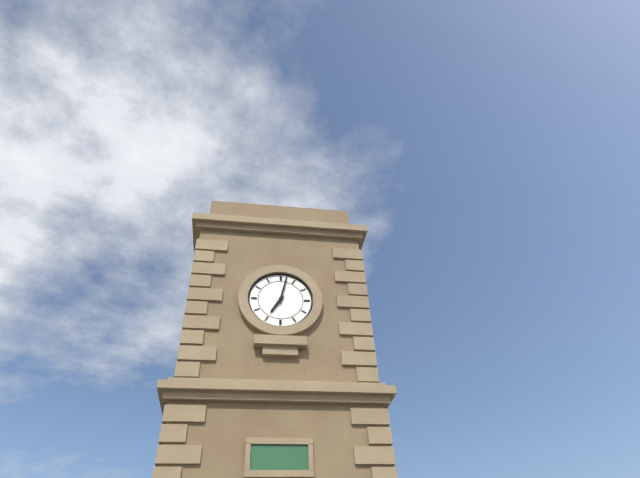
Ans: 7:02
